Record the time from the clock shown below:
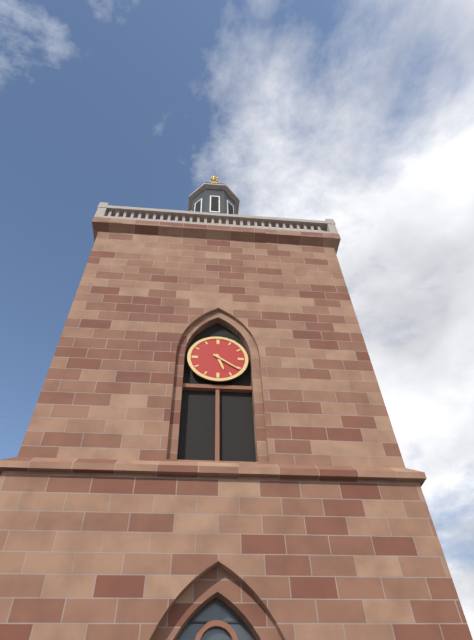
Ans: 5:21
